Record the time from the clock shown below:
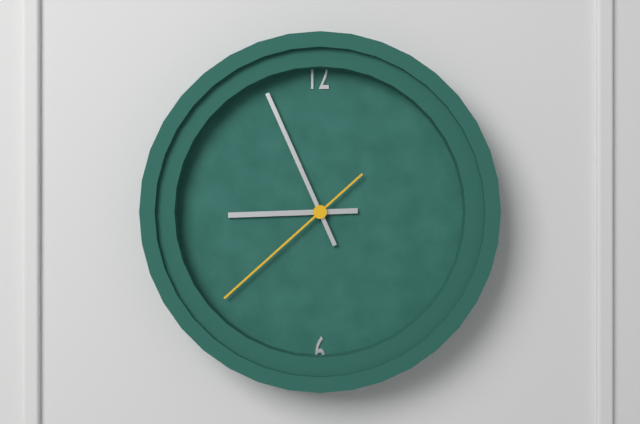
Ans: 8:56:38
